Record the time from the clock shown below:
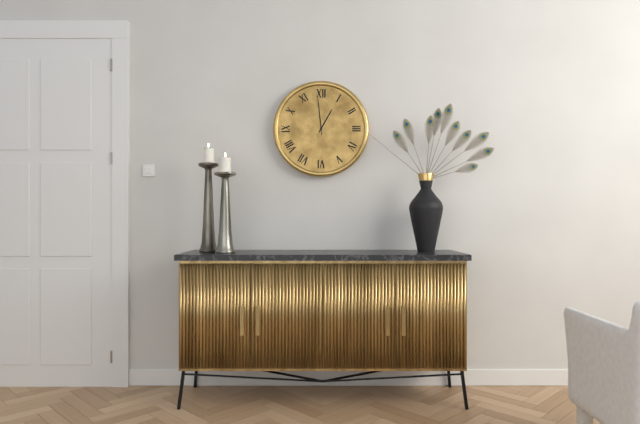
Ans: 12:59
